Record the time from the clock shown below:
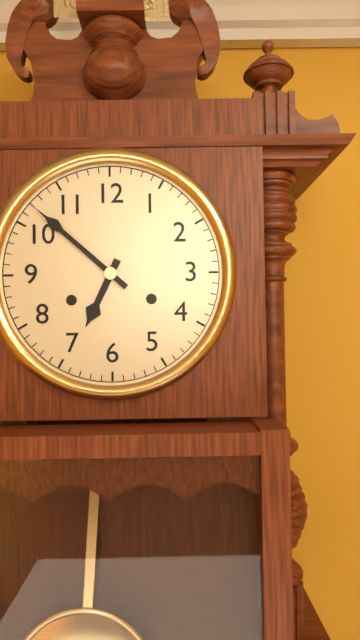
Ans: 6:52
